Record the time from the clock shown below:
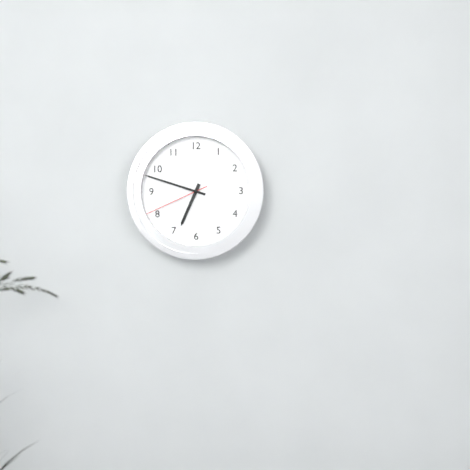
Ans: 6:48:41
